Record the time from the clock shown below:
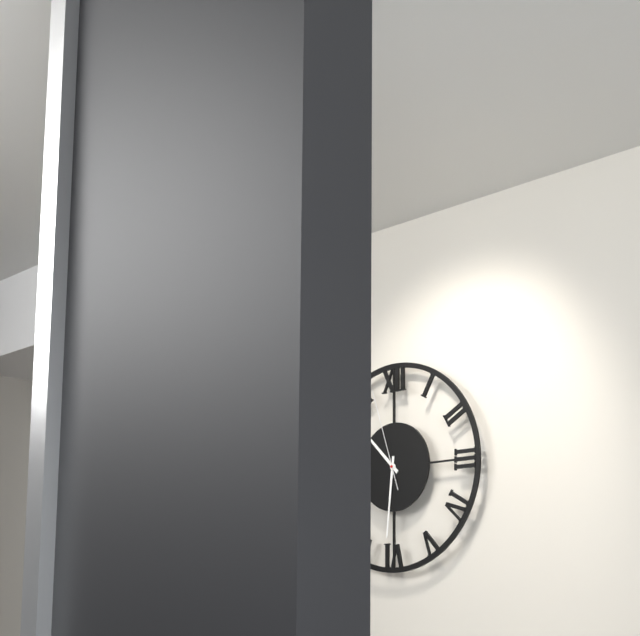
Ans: 10:31:57
